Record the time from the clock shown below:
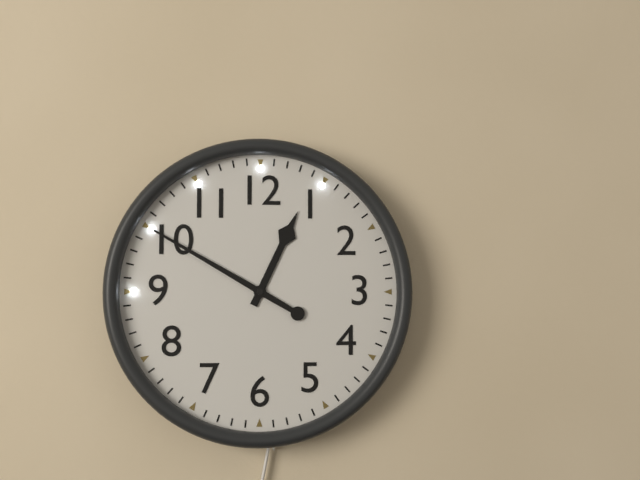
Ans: 12:50
